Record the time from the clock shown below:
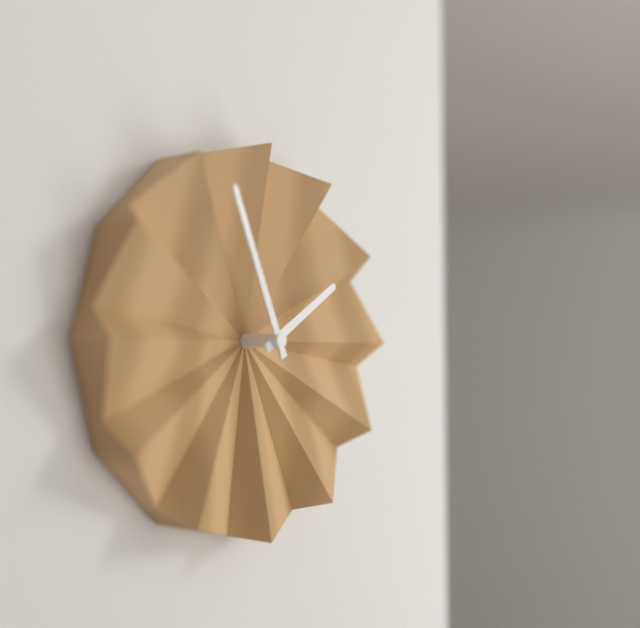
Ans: 1:56
